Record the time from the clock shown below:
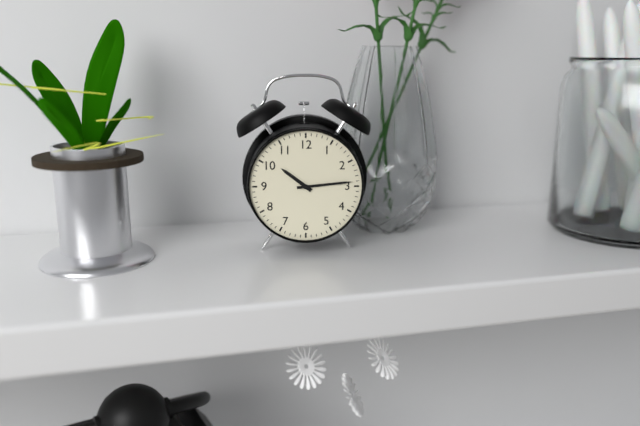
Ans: 10:14
